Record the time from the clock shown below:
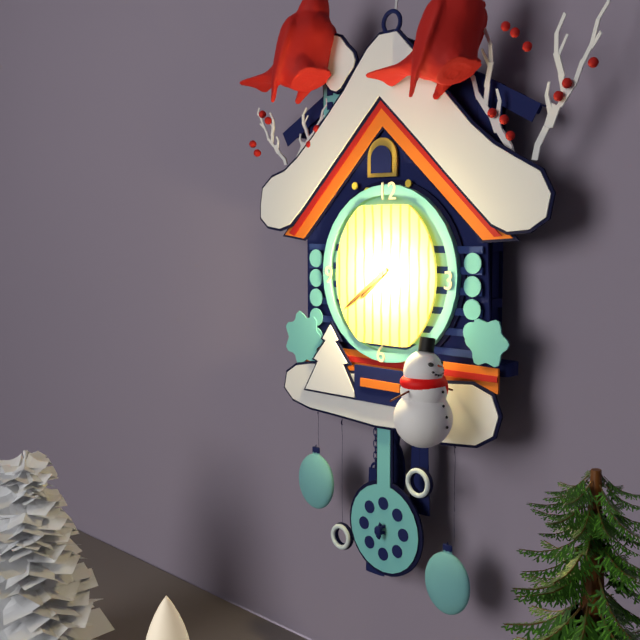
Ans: 7:39
